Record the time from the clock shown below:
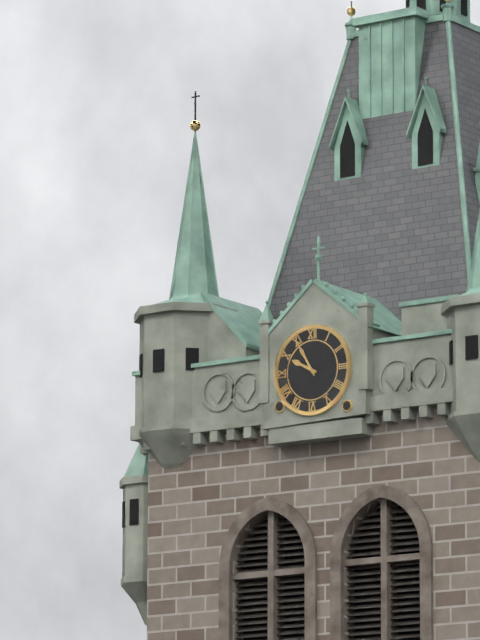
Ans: 9:55
